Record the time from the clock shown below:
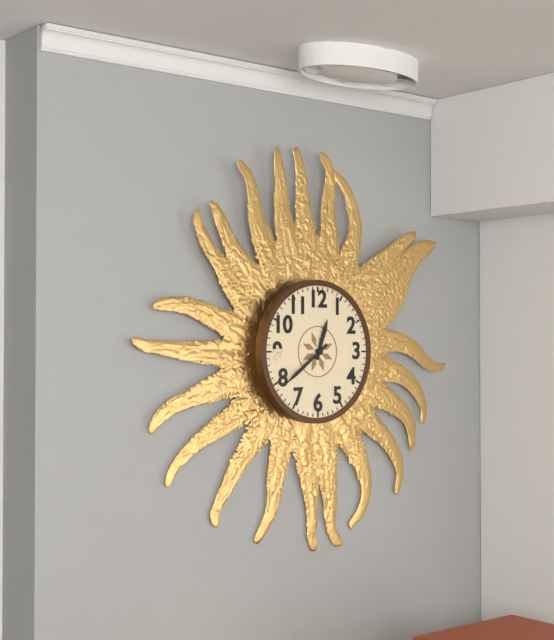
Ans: 12:39
